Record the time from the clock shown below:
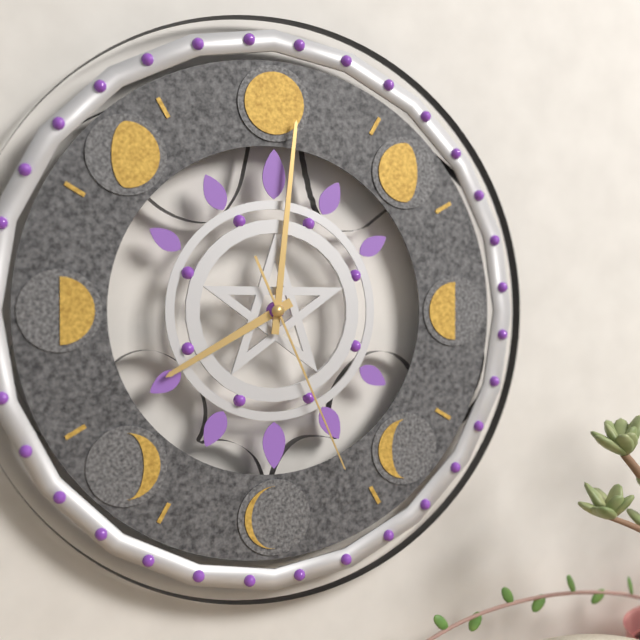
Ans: 8:01:26
